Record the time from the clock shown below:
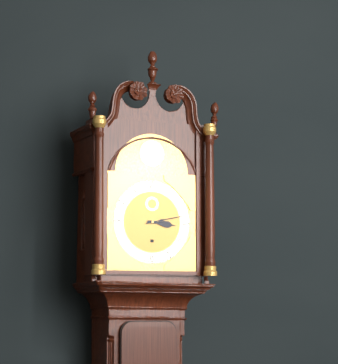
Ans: 3:13
